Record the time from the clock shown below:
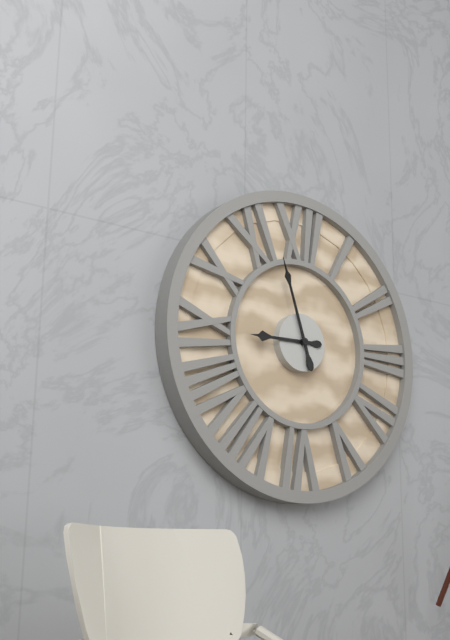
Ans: 8:57
